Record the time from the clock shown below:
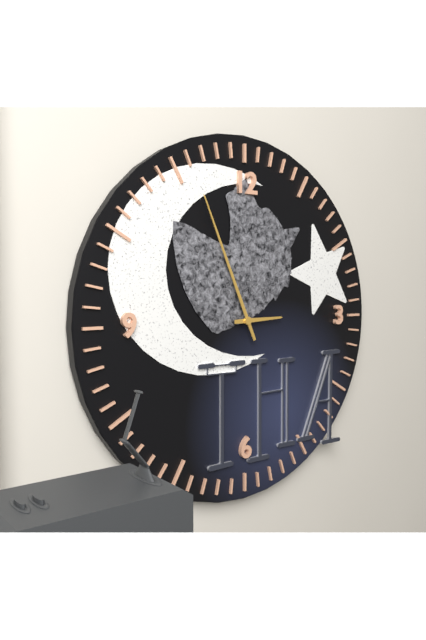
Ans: 2:56
